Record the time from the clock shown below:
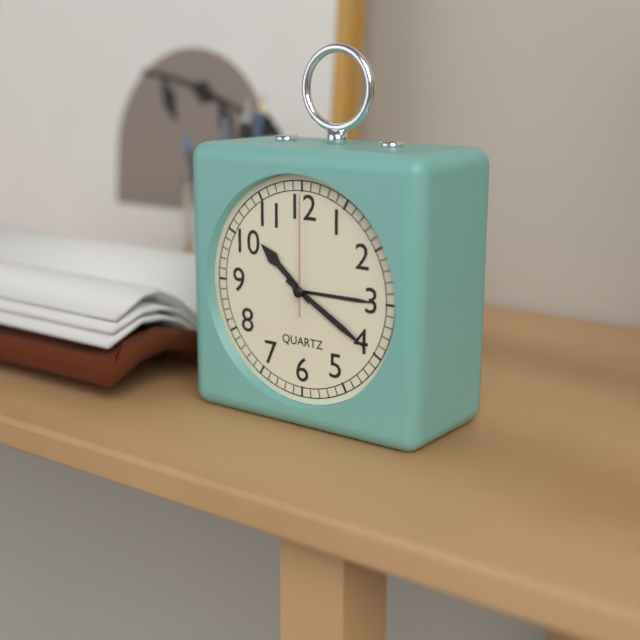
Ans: 10:20:00
